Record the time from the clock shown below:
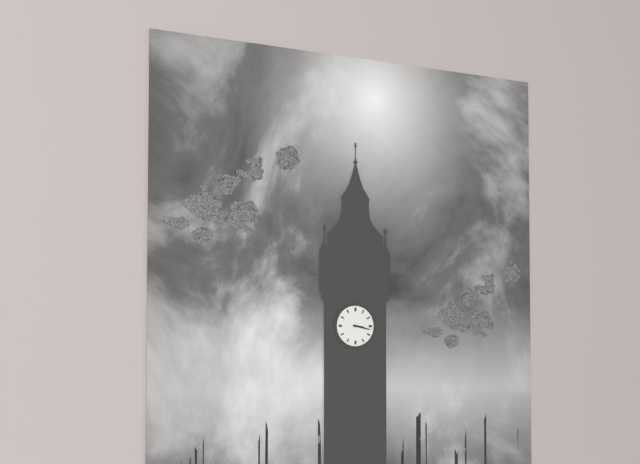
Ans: 3:17
